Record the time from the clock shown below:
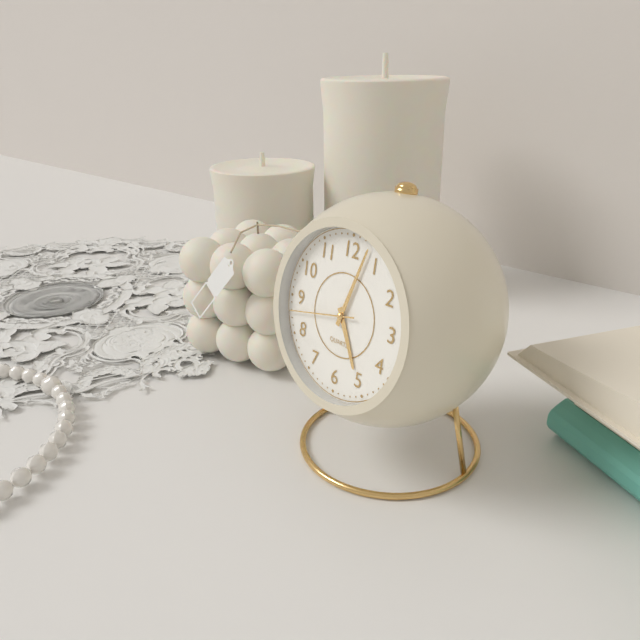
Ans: 5:03:43
